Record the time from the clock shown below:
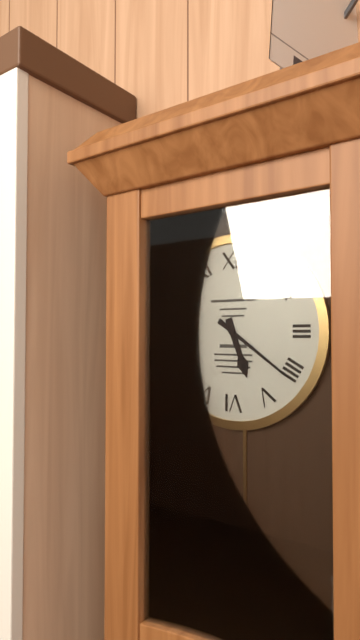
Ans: 5:21
